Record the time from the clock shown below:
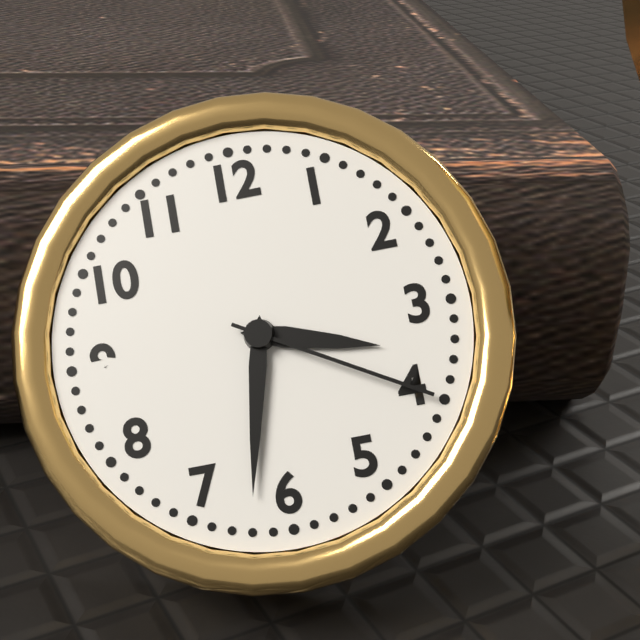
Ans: 3:32:20
